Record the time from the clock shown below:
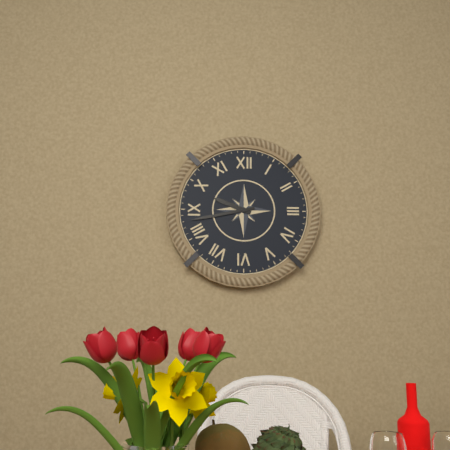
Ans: 9:43
